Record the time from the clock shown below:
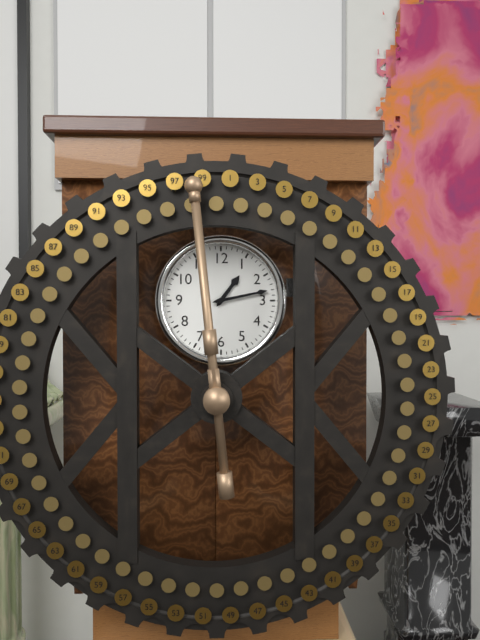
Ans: 1:13
